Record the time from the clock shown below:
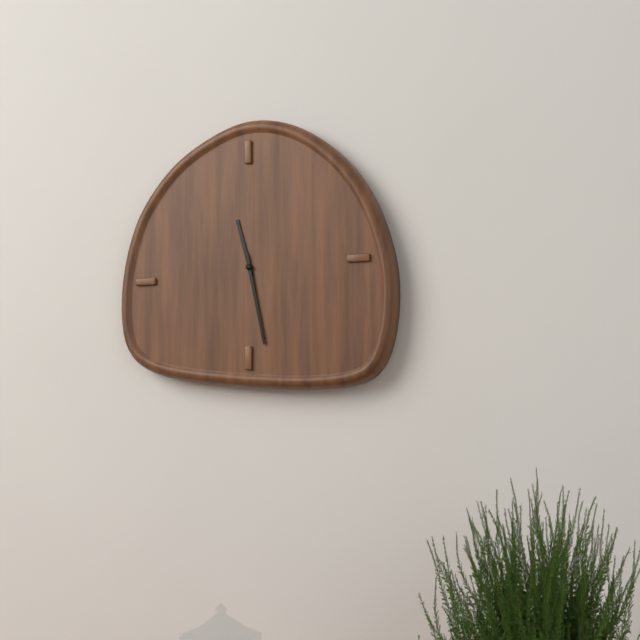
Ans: 11:28
